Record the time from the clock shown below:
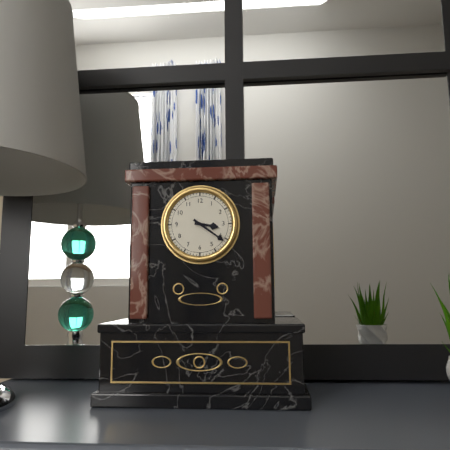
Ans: 3:21
